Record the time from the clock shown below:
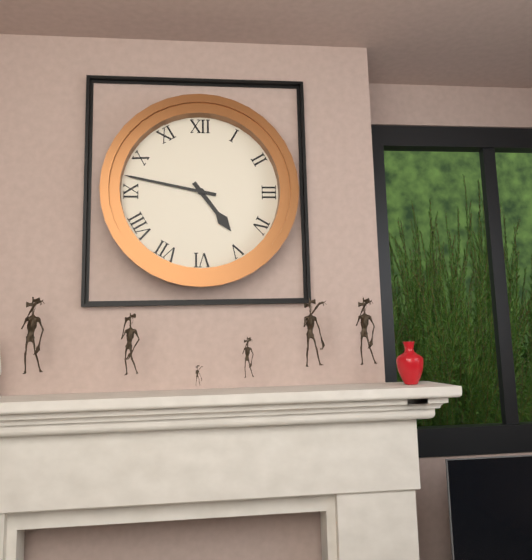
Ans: 4:47
